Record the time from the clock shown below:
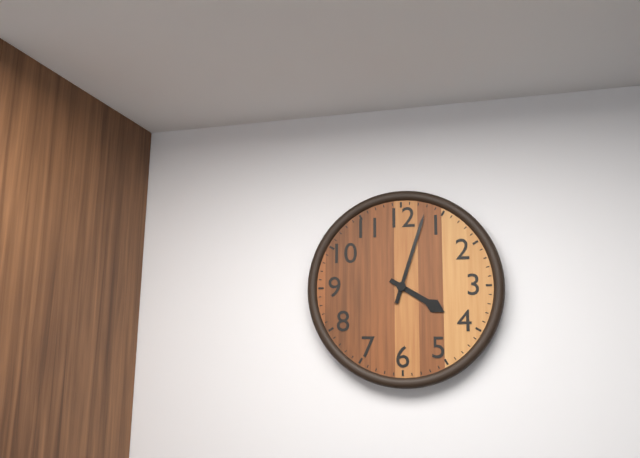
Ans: 4:03
